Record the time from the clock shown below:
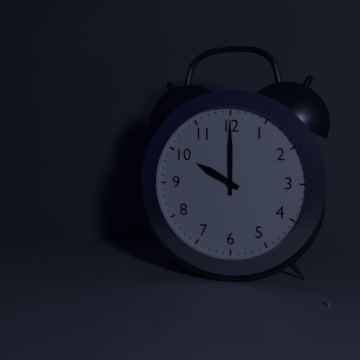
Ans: 10:00
